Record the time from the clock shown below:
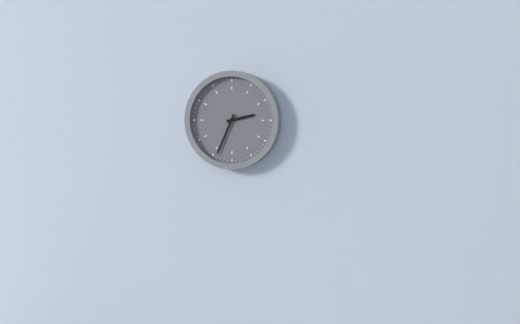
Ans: 2:34
